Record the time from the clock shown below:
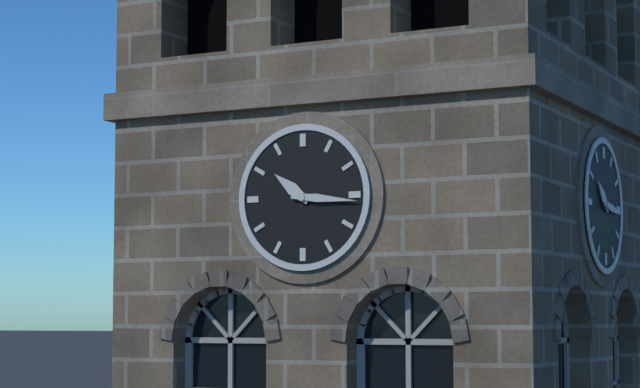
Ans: 10:16
